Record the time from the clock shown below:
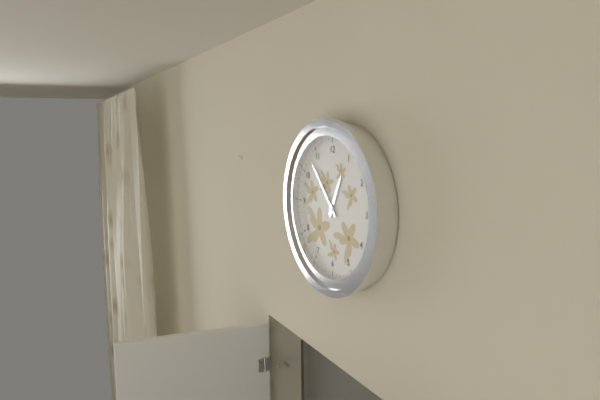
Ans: 12:53
